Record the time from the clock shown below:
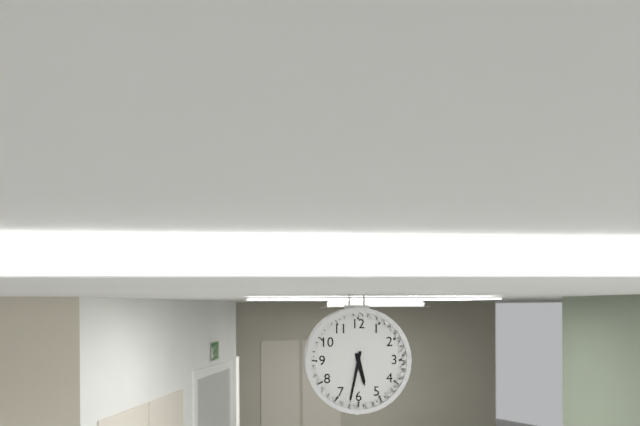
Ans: 5:32
